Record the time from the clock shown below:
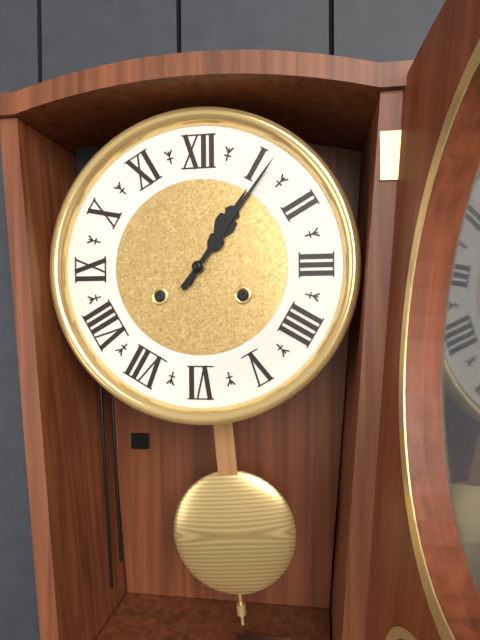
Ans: 1:06
